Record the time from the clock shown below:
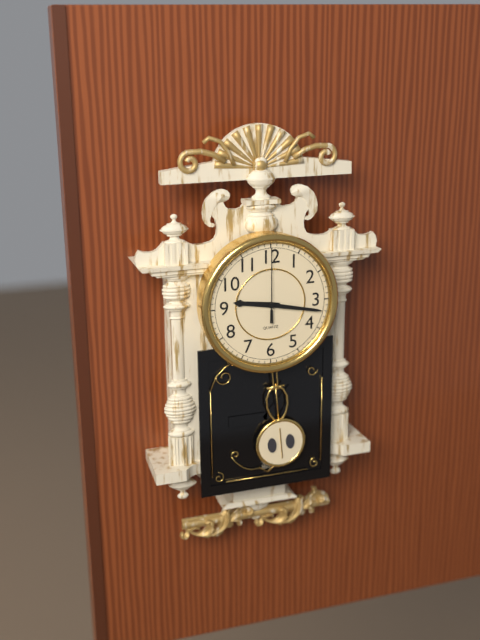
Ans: 9:17:00
